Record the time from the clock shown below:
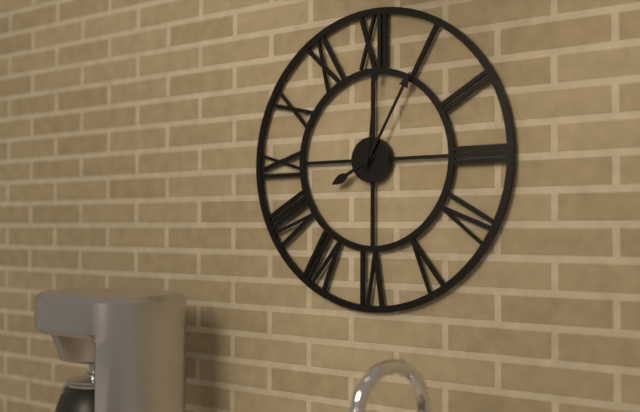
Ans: 8:05:01
